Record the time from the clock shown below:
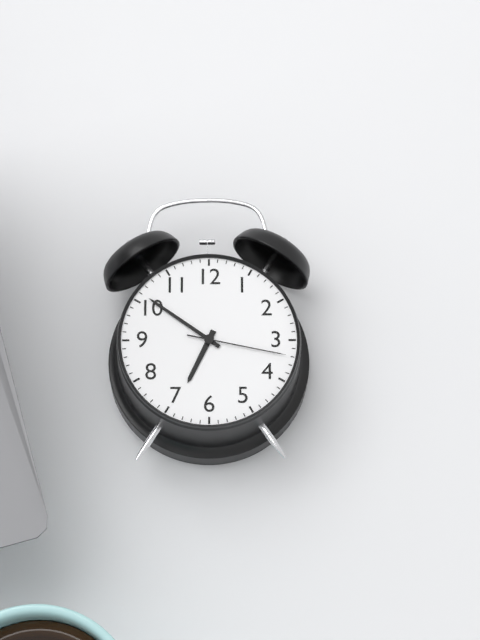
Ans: 6:51:17
